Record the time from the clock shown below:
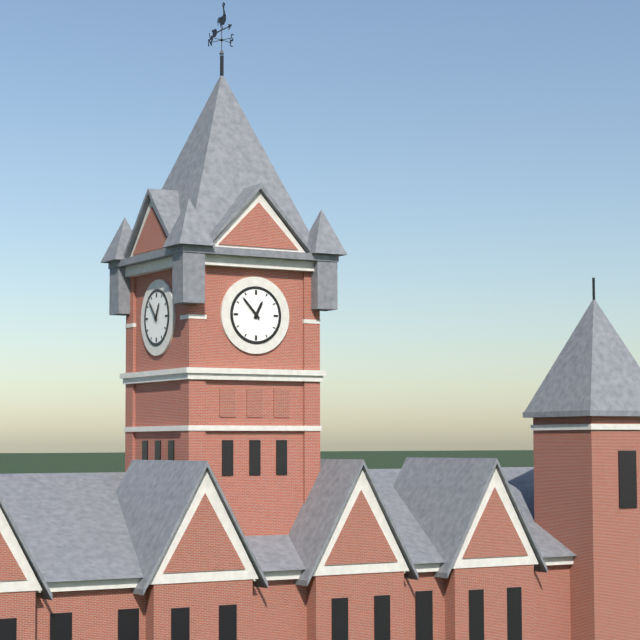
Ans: 12:53
